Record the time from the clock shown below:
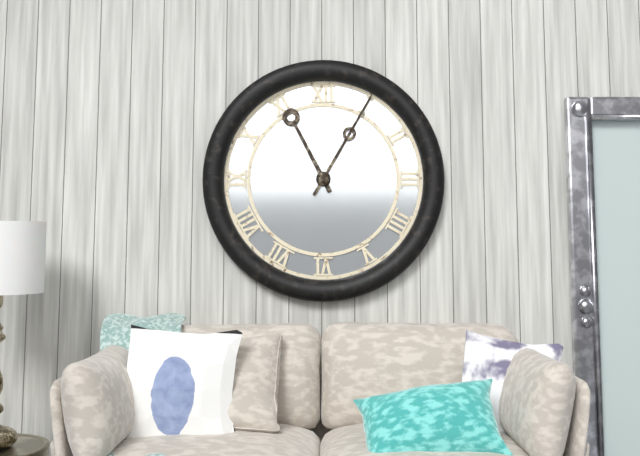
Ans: 11:05
